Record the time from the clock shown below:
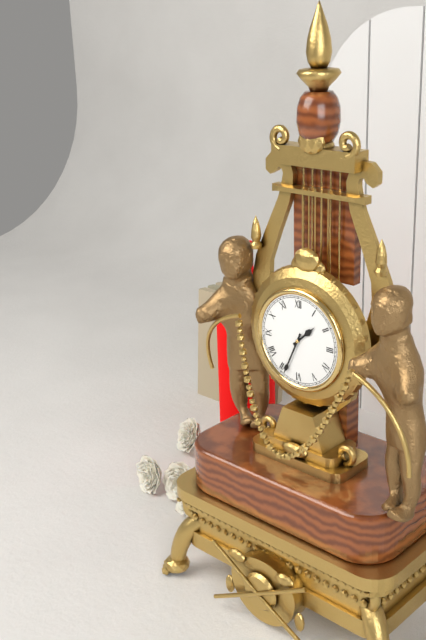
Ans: 1:34
